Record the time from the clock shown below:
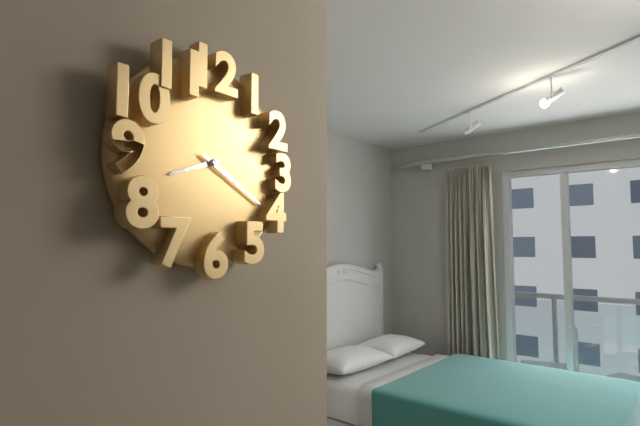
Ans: 8:20
